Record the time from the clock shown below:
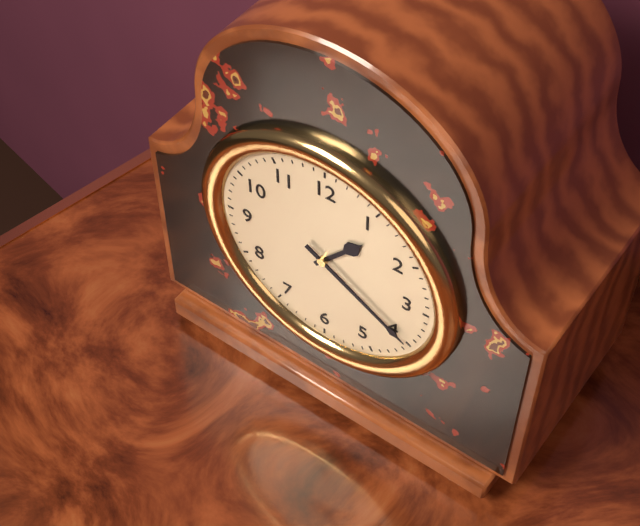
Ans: 1:20
